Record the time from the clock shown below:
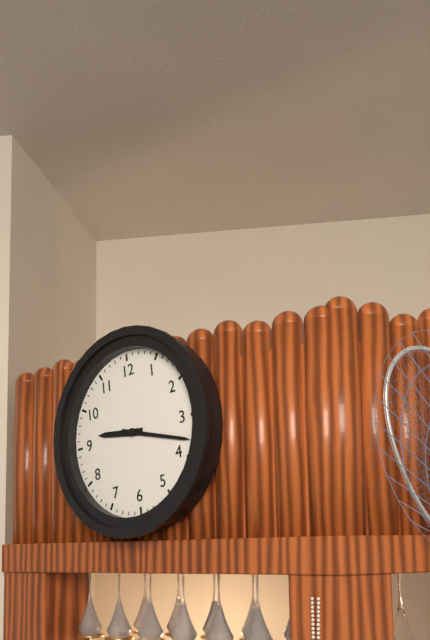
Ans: 9:18
